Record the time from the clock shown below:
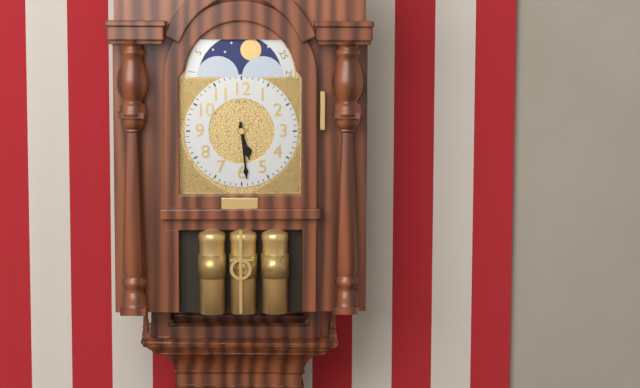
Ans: 5:29
